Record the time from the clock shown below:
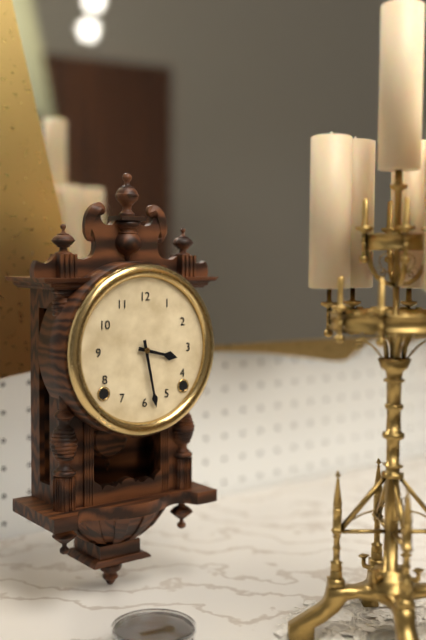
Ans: 3:28
